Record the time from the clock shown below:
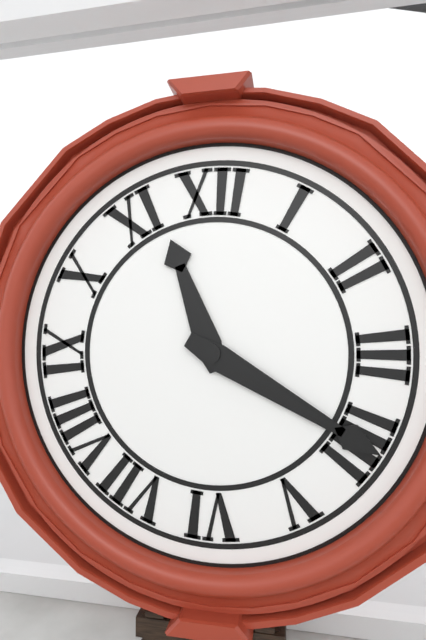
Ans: 11:20
